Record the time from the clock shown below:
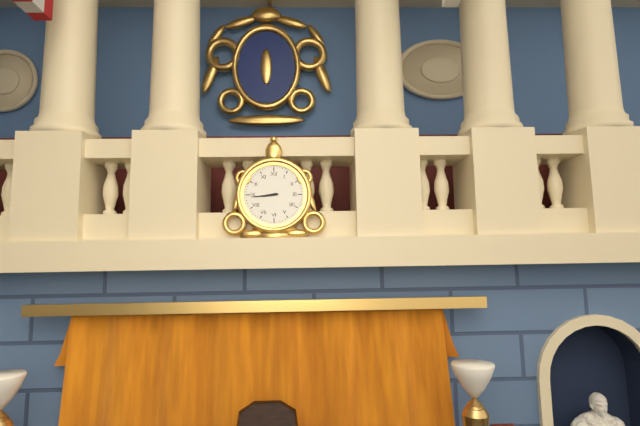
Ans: 8:44
